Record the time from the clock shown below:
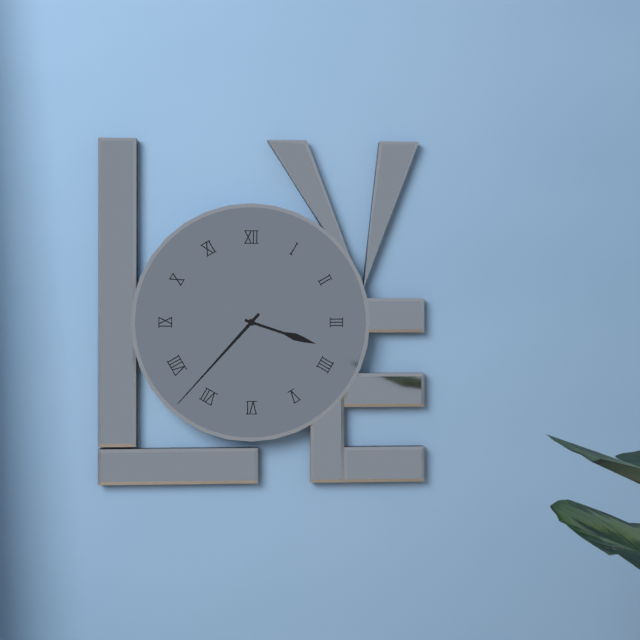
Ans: 3:37
